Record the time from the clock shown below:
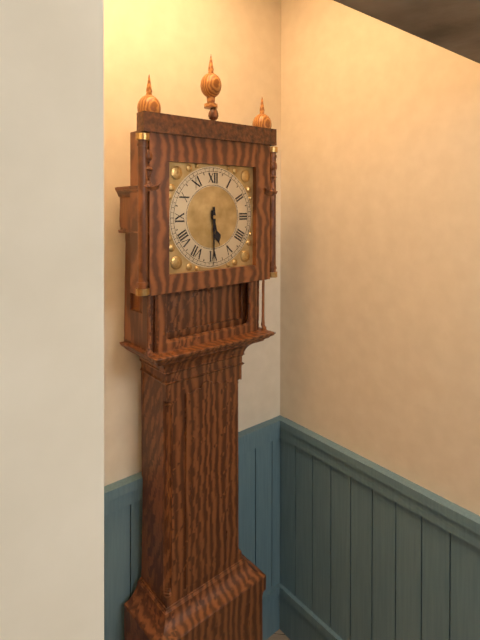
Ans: 5:30
